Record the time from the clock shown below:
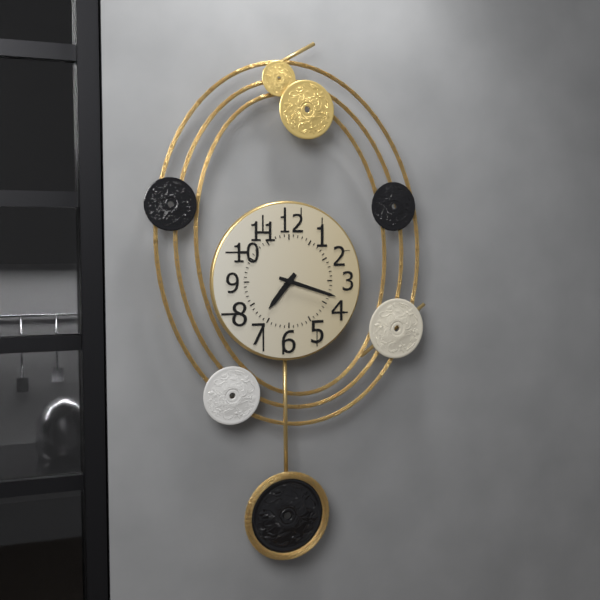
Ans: 7:18
